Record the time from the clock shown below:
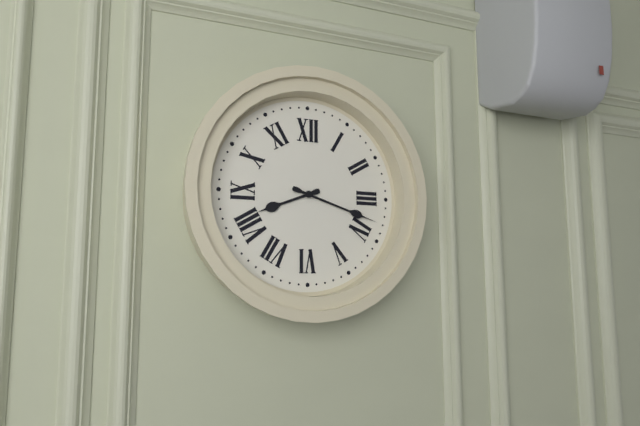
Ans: 8:18
